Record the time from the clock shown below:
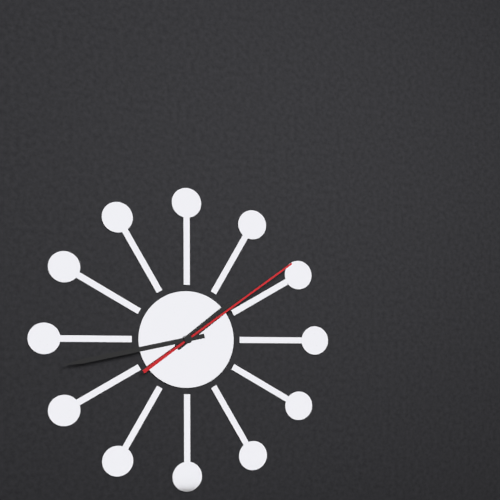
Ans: 1:43:09
